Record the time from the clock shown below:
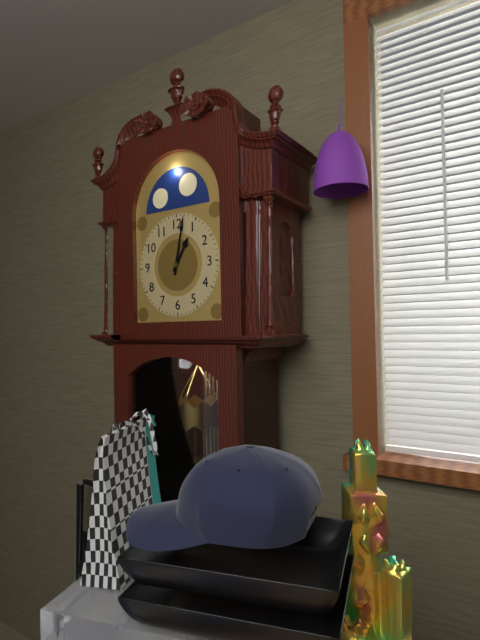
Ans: 1:02
